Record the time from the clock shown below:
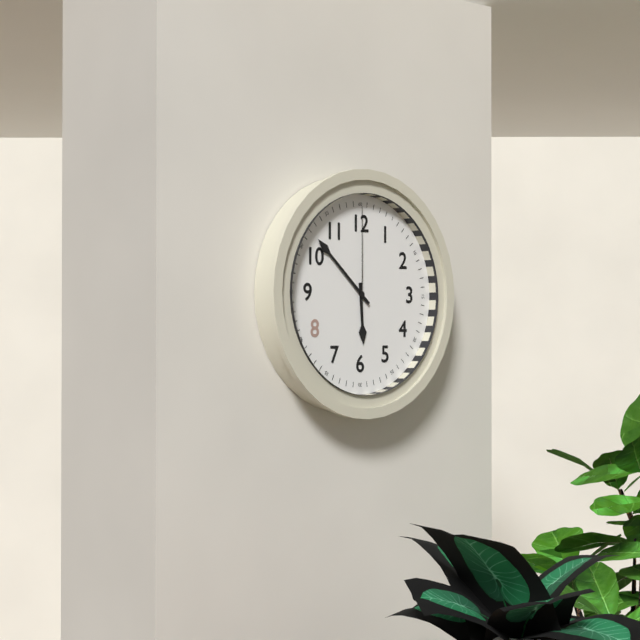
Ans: 5:52:00
